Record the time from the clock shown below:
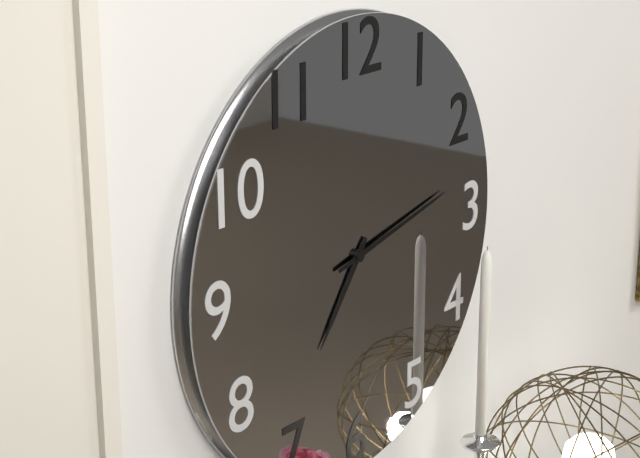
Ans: 7:13
